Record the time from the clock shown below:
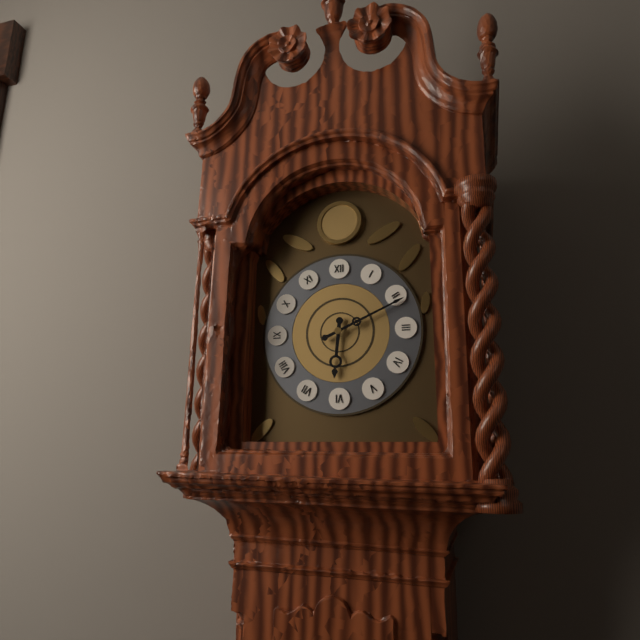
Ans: 6:11
